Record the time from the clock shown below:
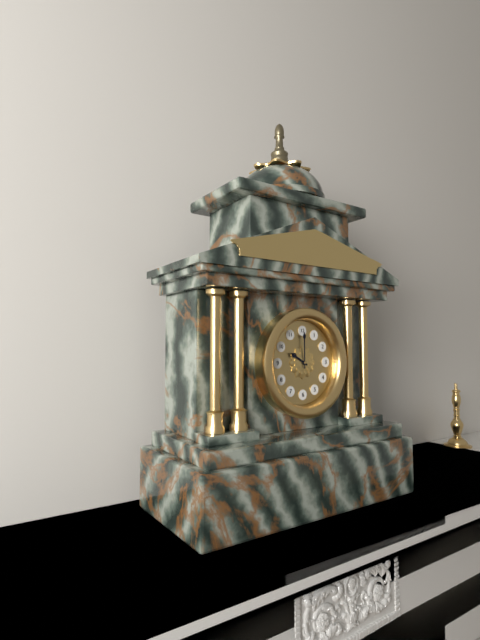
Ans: 10:00
